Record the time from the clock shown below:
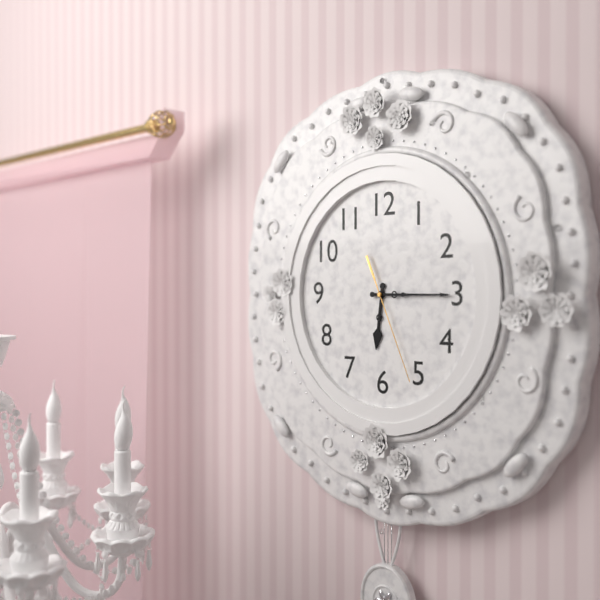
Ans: 6:15:26
